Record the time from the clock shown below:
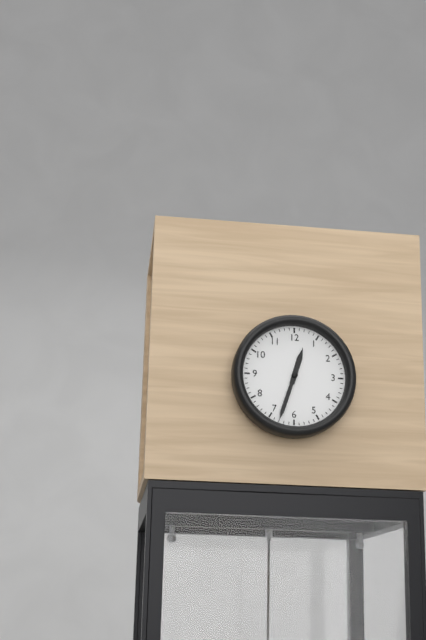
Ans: 12:33
